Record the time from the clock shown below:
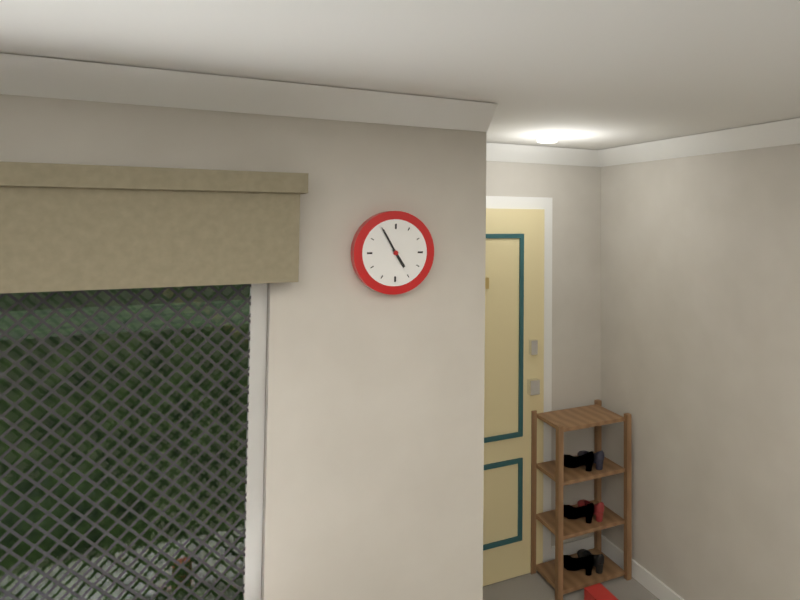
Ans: 4:55
